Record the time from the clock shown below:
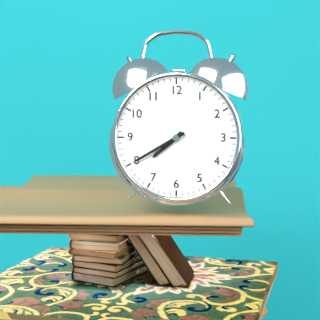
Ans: 7:40
